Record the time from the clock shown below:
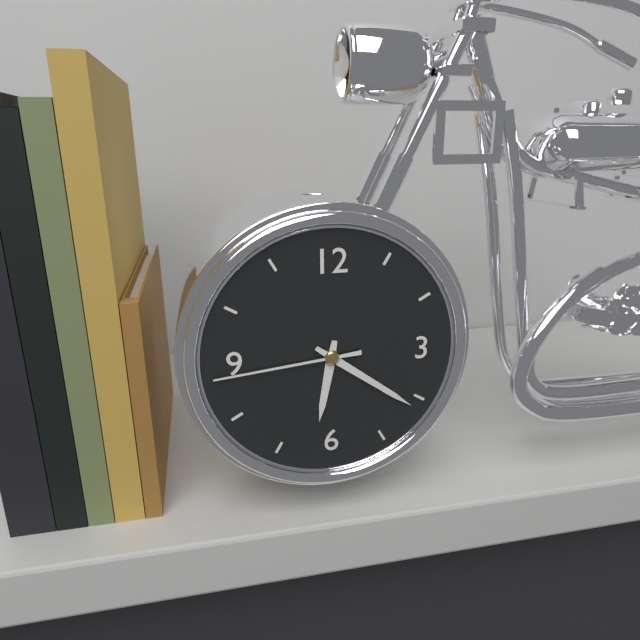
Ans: 6:21:44
